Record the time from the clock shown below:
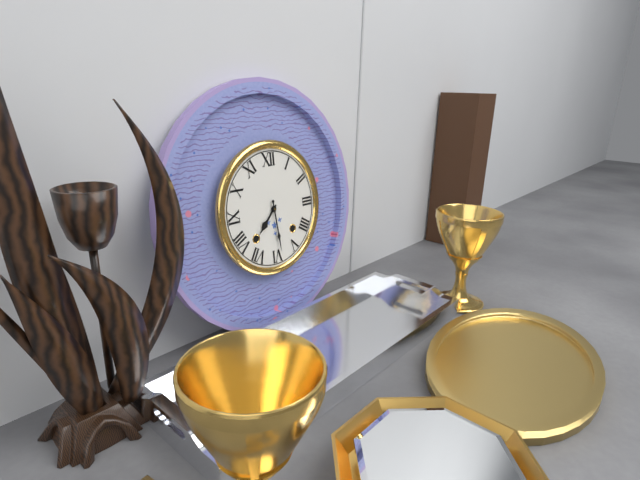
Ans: 7:29
